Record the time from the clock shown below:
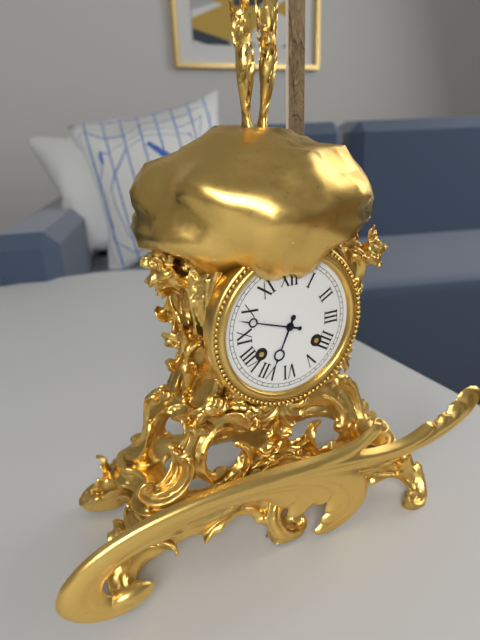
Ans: 6:48
